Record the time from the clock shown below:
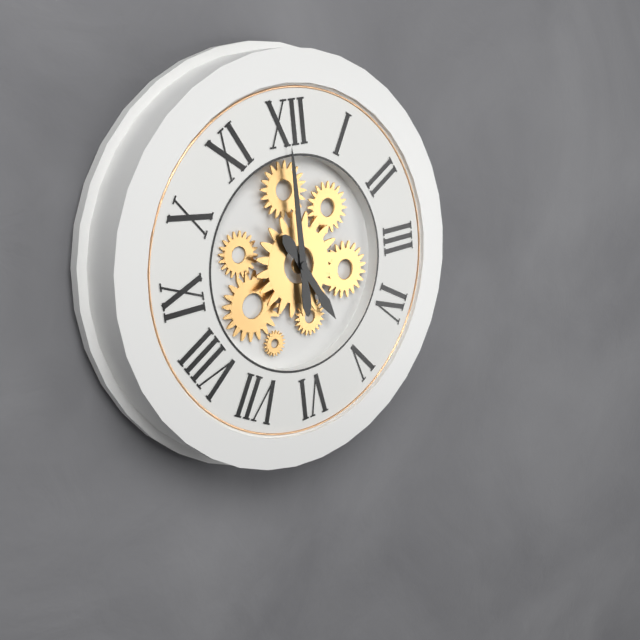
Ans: 5:00
